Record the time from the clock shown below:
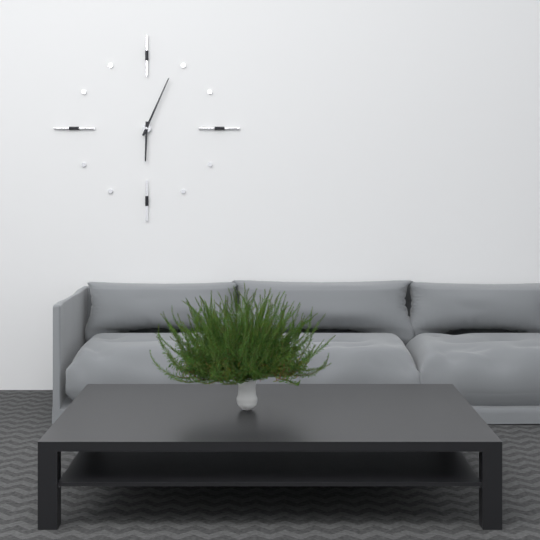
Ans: 6:04
